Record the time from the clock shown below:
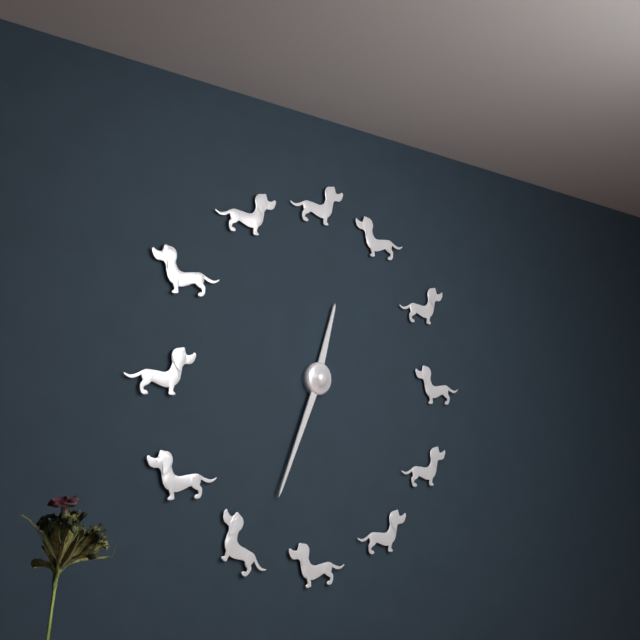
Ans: 12:34
